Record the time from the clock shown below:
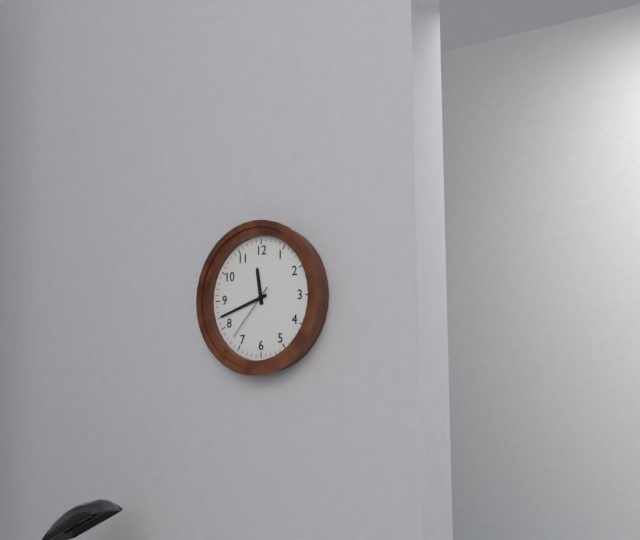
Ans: 11:42:37
